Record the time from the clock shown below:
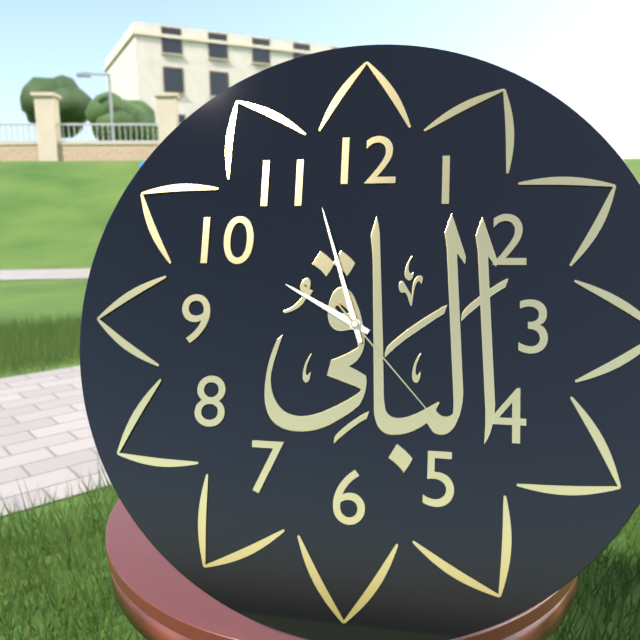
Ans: 9:57:23
